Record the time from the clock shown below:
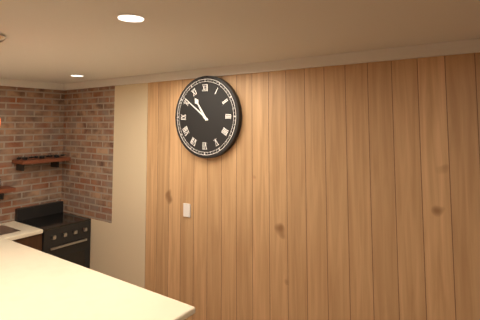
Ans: 10:51
